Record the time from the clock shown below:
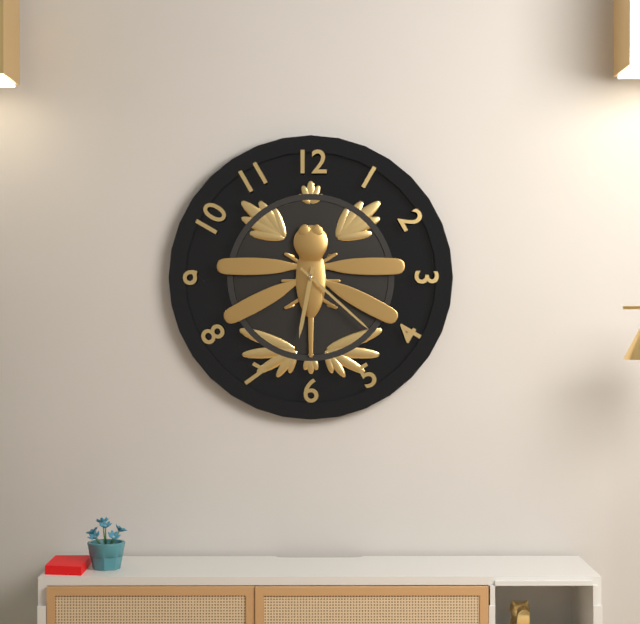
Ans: 6:22
